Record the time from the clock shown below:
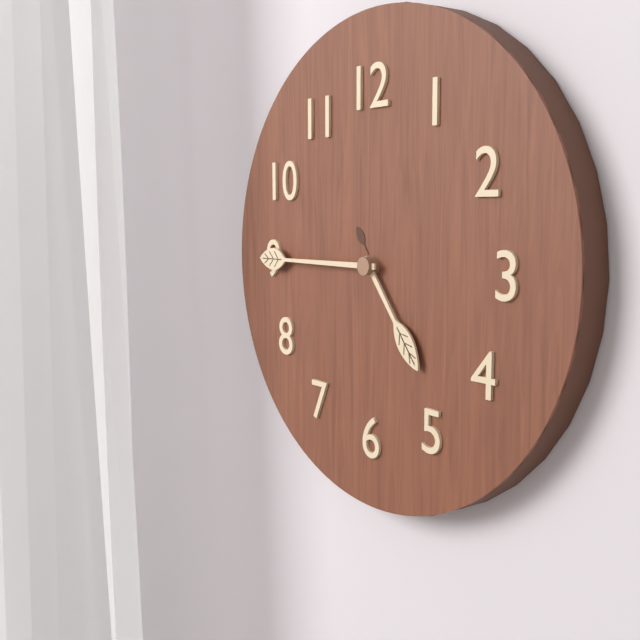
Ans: 4:45
